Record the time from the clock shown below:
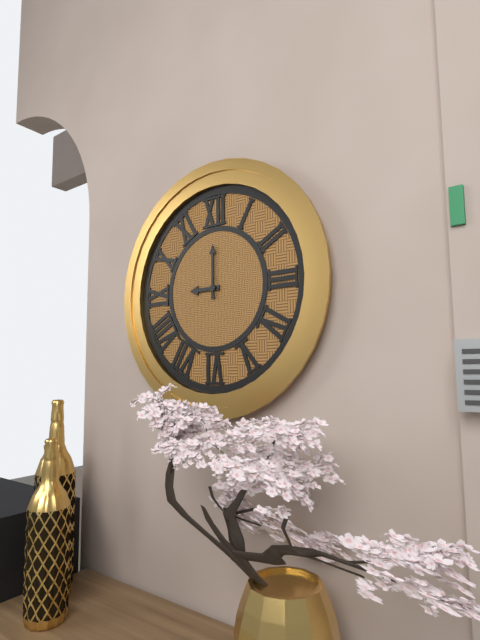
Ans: 9:00
